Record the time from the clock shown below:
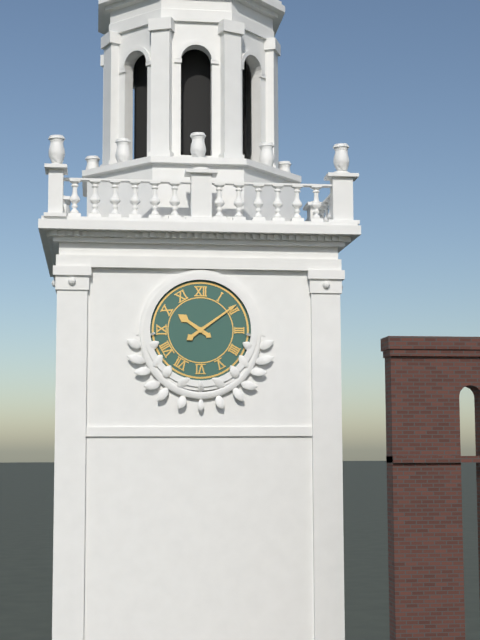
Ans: 10:09
